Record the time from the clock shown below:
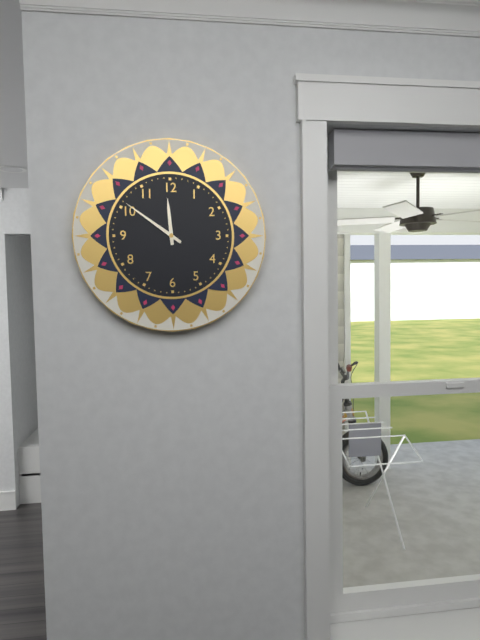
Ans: 11:51
